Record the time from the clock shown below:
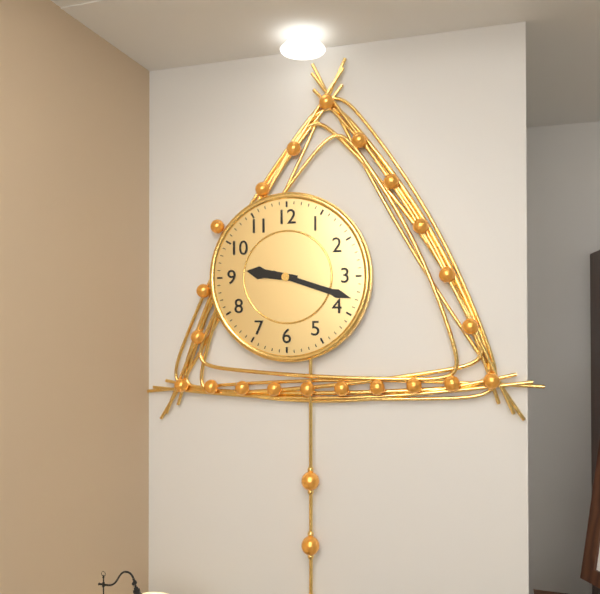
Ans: 9:18
